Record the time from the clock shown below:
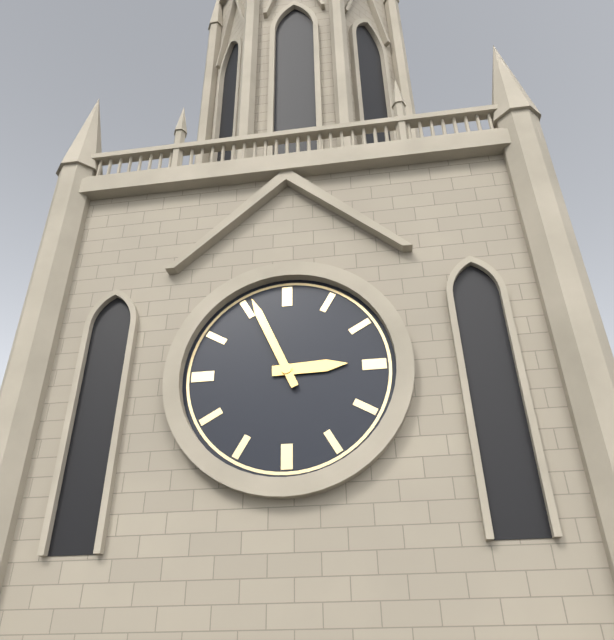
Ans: 2:56
